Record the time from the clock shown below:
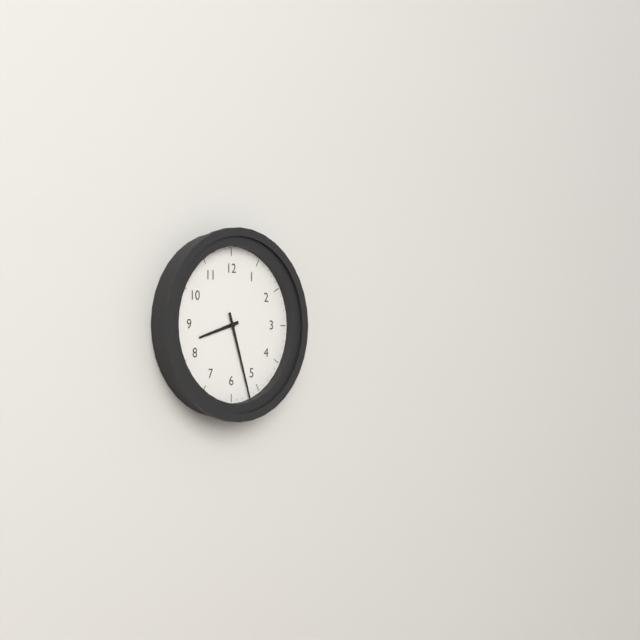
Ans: 8:27
